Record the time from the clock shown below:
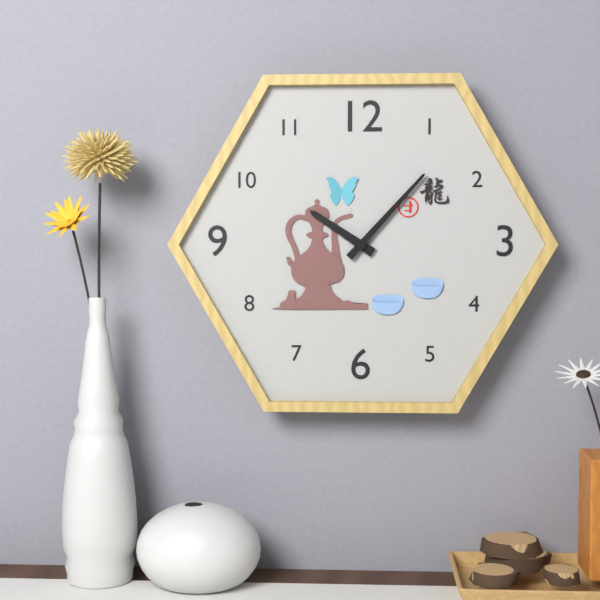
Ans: 10:07
